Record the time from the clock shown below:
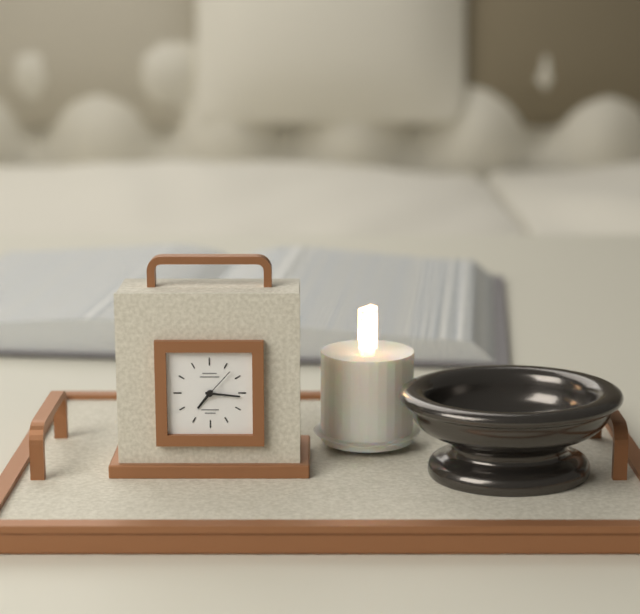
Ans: 7:16
